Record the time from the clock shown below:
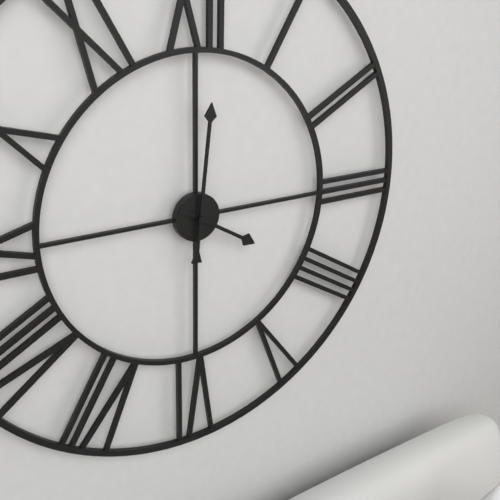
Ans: 4:01
